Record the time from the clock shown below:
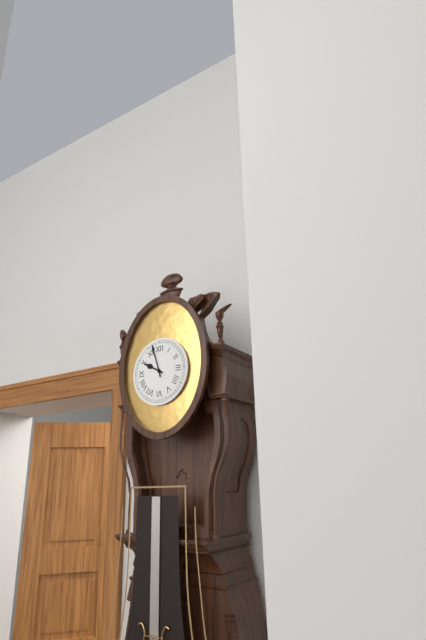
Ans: 9:57
